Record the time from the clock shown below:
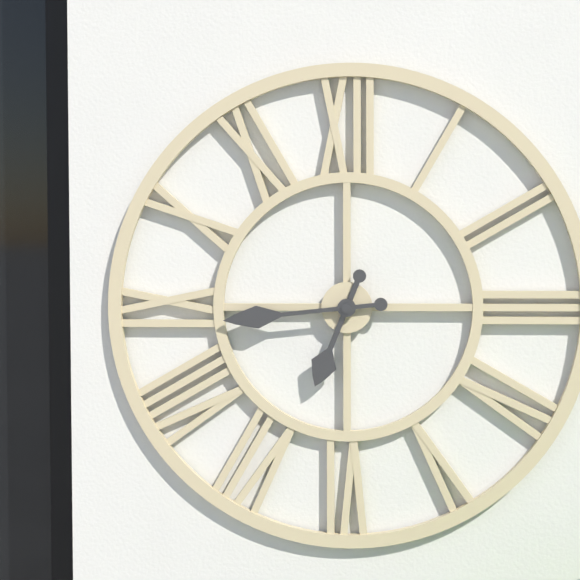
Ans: 6:44
